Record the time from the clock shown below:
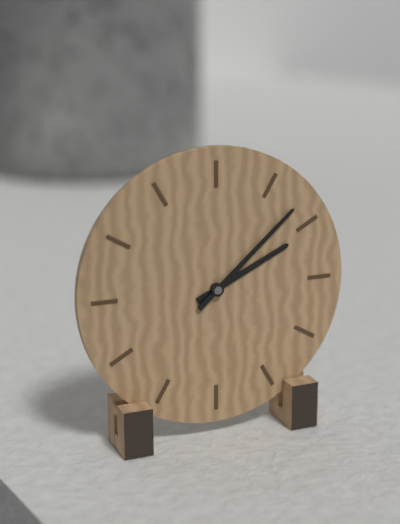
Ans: 2:08
